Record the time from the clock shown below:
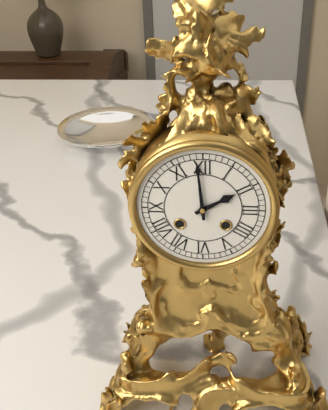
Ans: 1:59
